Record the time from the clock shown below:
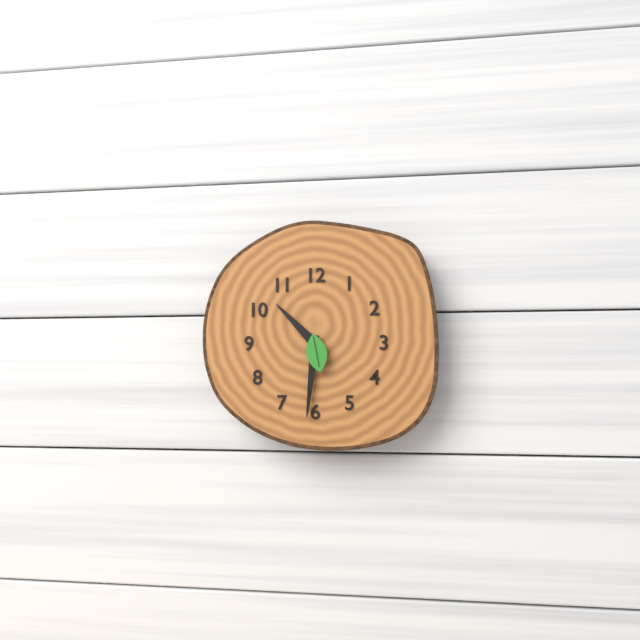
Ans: 10:31
